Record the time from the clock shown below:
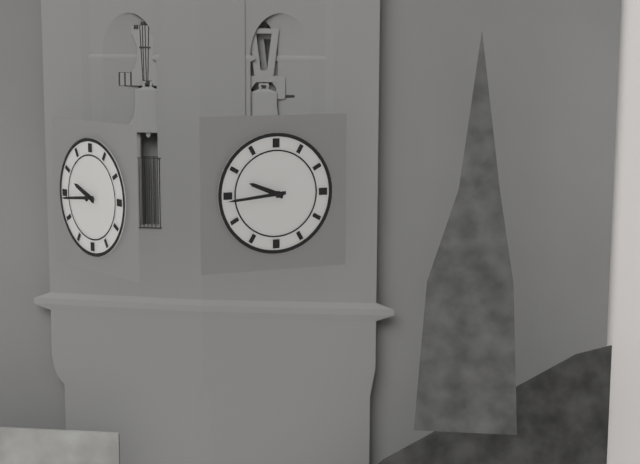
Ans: 9:44
